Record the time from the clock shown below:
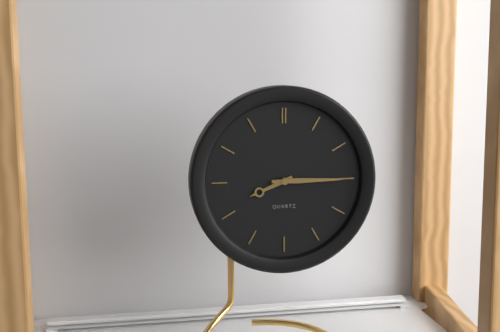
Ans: 8:15
